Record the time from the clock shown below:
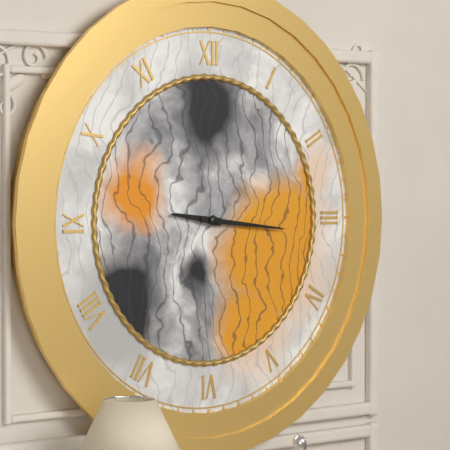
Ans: 9:16
